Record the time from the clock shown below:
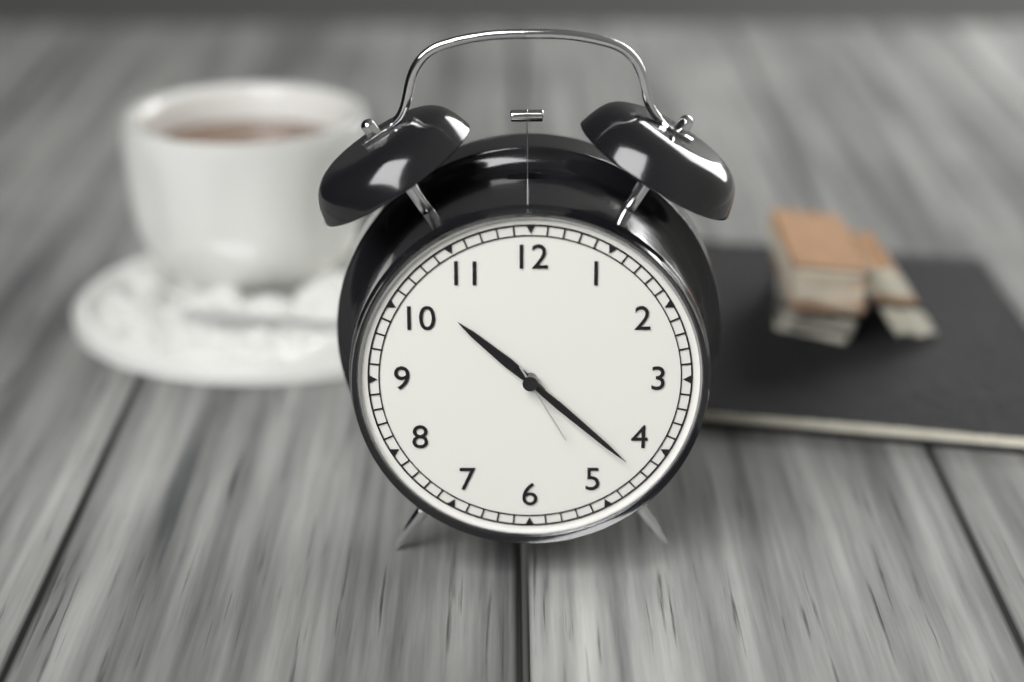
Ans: 10:22:25
